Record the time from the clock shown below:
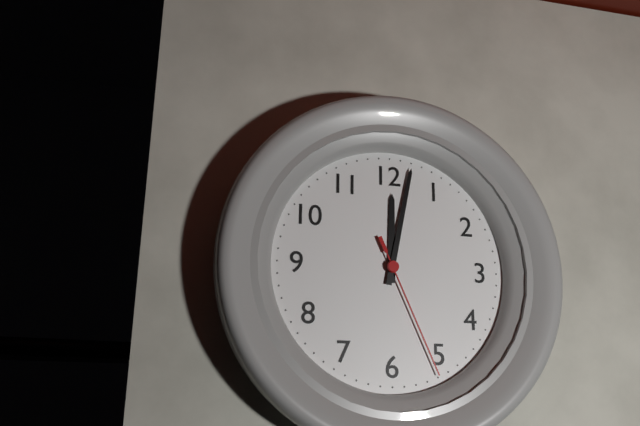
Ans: 12:02:26
